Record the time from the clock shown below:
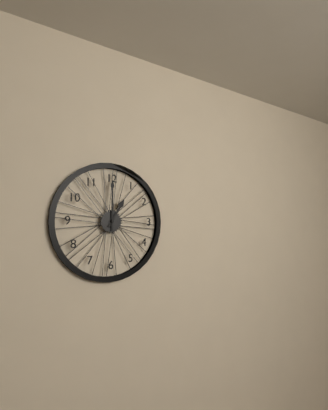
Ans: 1:00
